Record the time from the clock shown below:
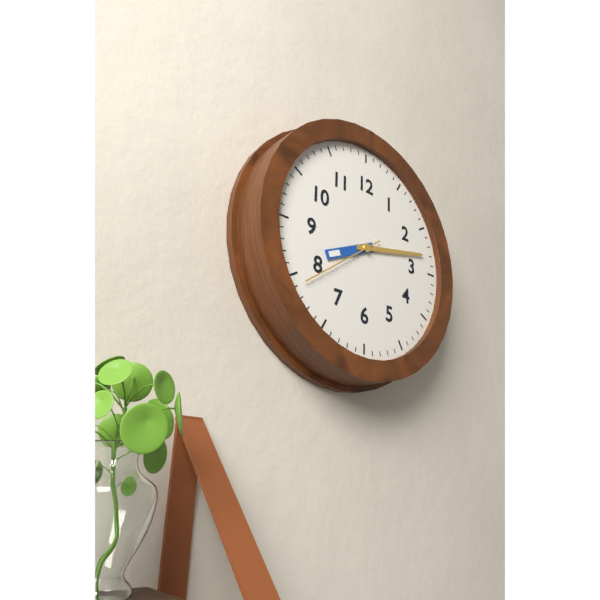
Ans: 8:13:39
